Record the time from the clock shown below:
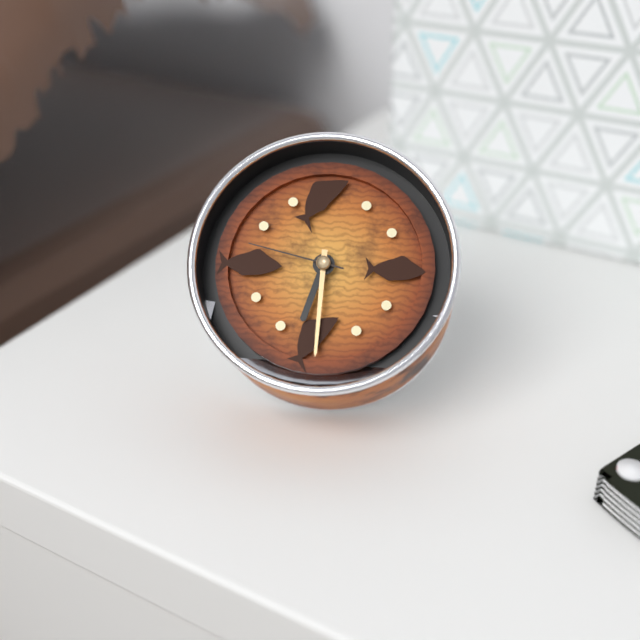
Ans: 6:30:47
